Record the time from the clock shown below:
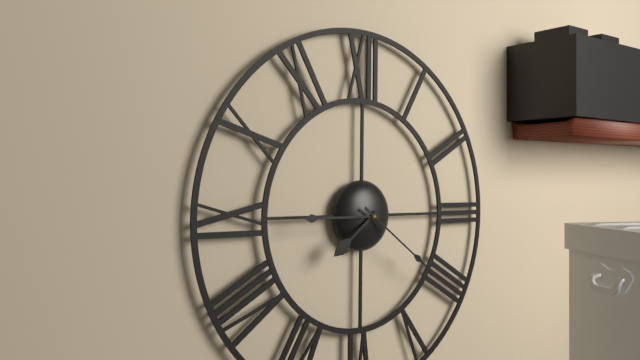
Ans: 7:45:21
